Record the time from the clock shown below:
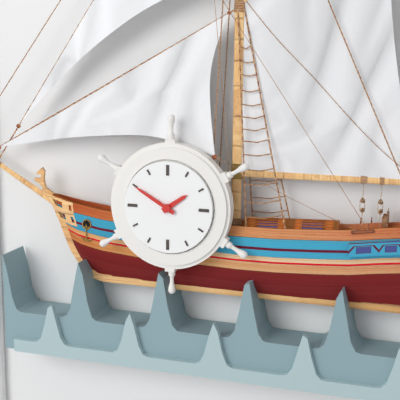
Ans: 1:50
